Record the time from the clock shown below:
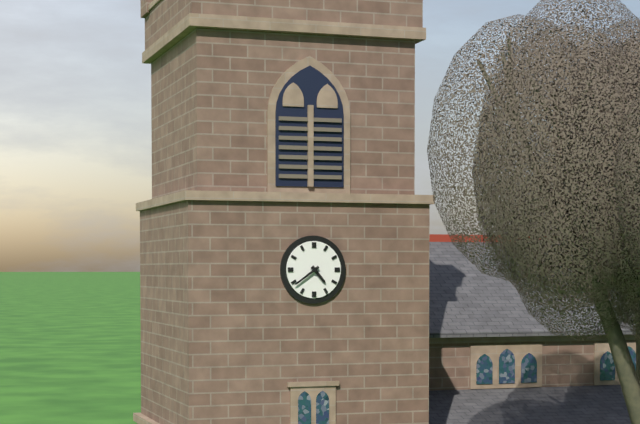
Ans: 4:39
